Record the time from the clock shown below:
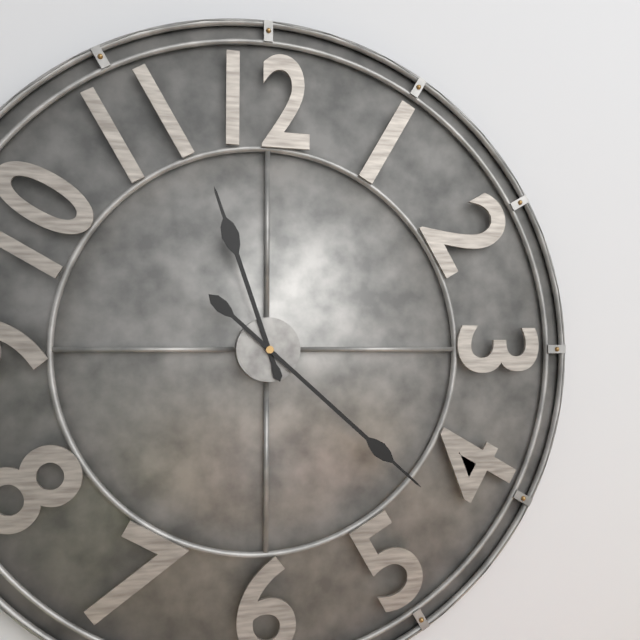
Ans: 11:22
